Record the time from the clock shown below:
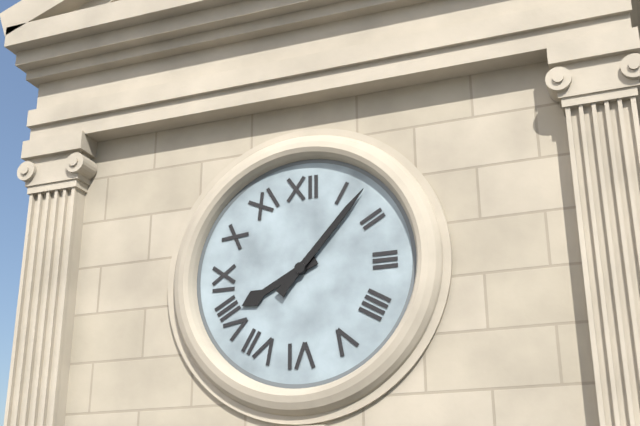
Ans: 8:07
